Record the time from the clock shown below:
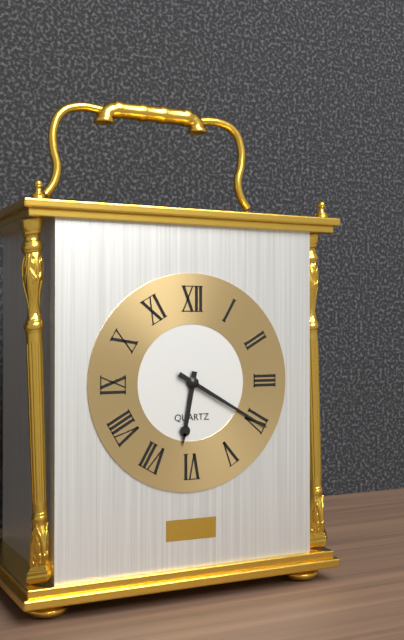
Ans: 6:20
